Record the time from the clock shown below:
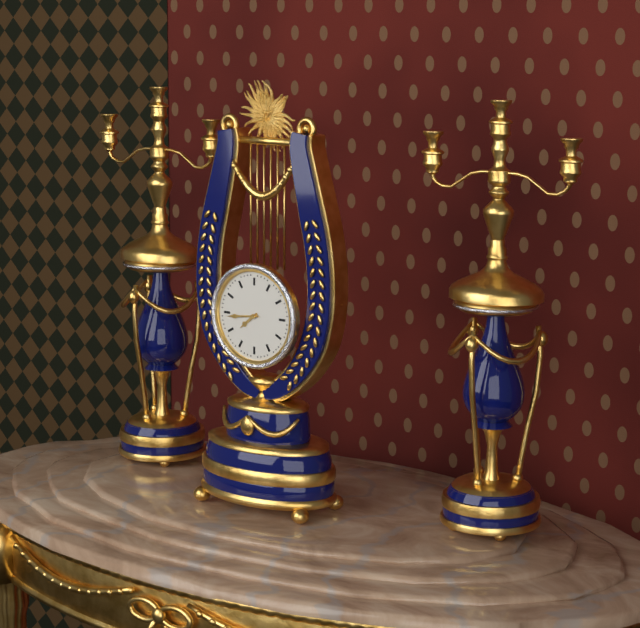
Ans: 7:44
